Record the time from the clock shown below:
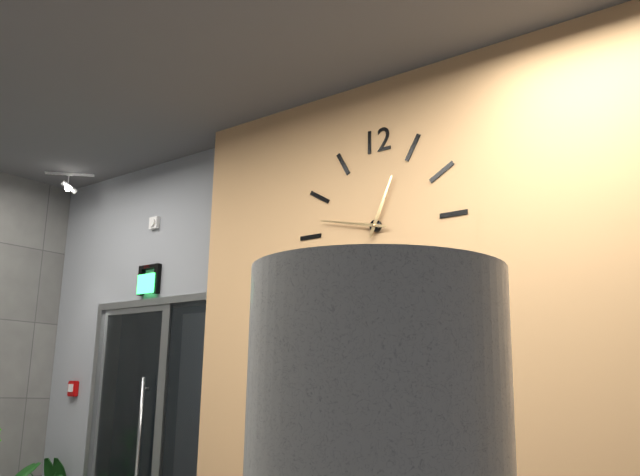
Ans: 12:47
